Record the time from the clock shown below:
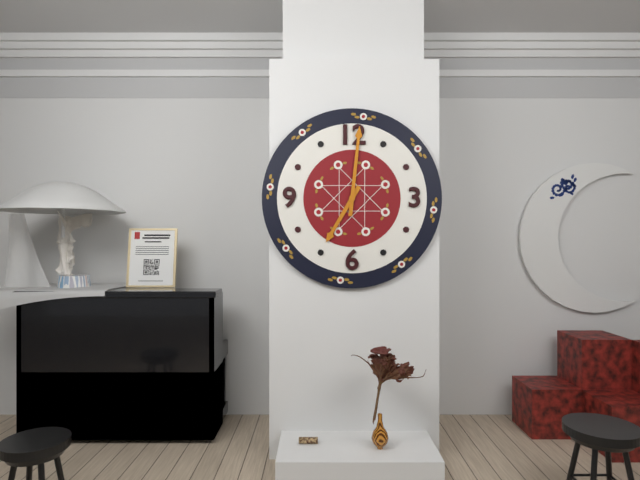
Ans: 7:01
